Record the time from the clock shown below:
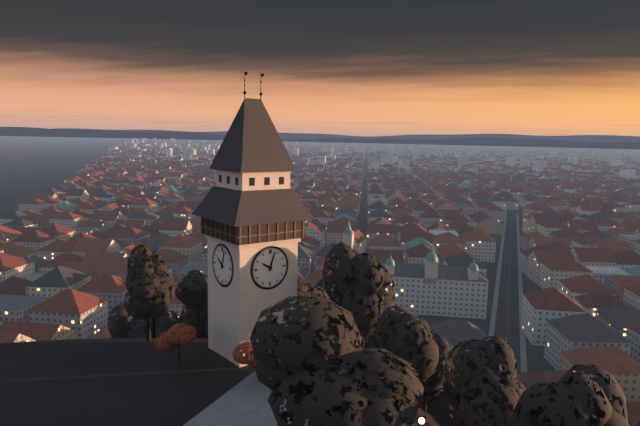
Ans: 10:03
